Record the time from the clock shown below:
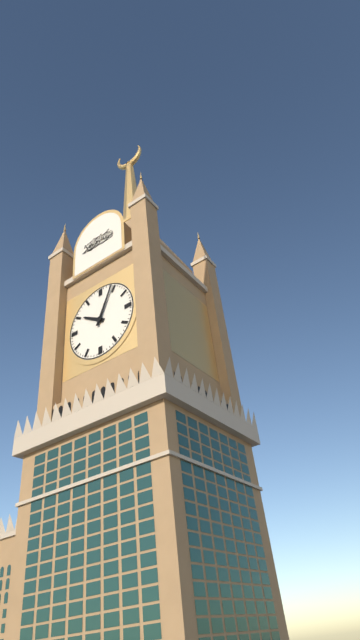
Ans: 10:04
